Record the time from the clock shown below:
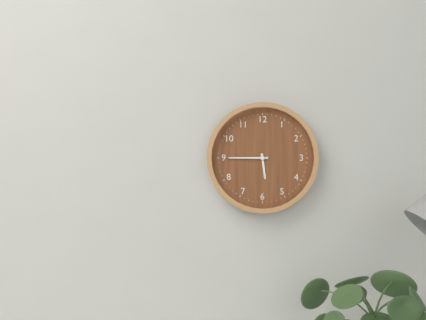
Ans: 5:45
